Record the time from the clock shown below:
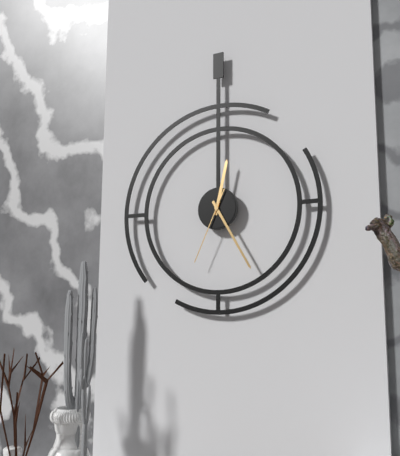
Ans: 12:25:34
